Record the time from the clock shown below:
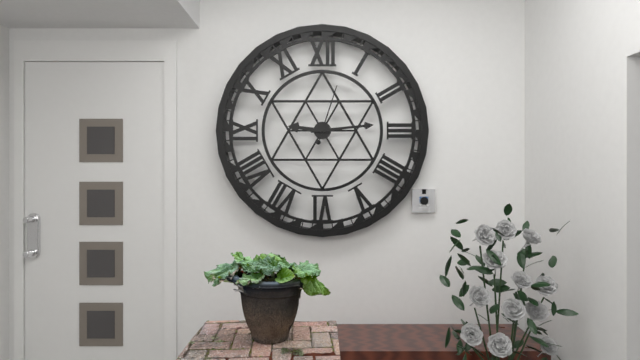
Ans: 9:14:03
